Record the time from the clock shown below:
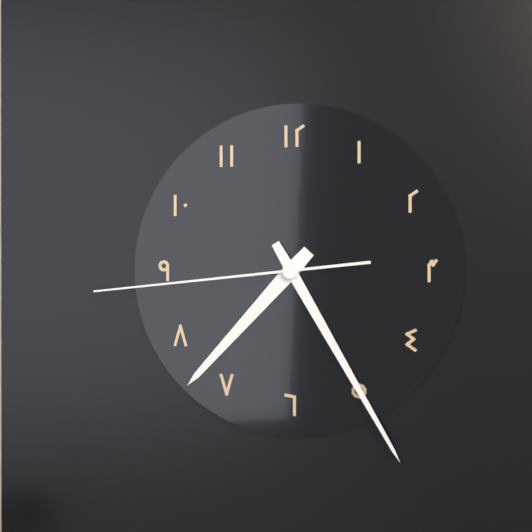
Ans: 7:25:44
